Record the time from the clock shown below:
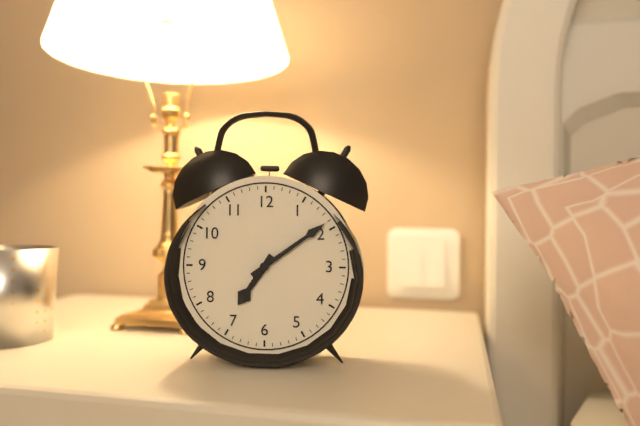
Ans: 7:09
